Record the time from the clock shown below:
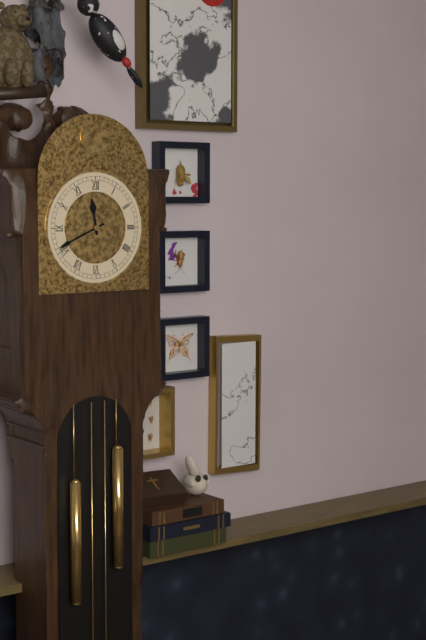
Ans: 11:41
